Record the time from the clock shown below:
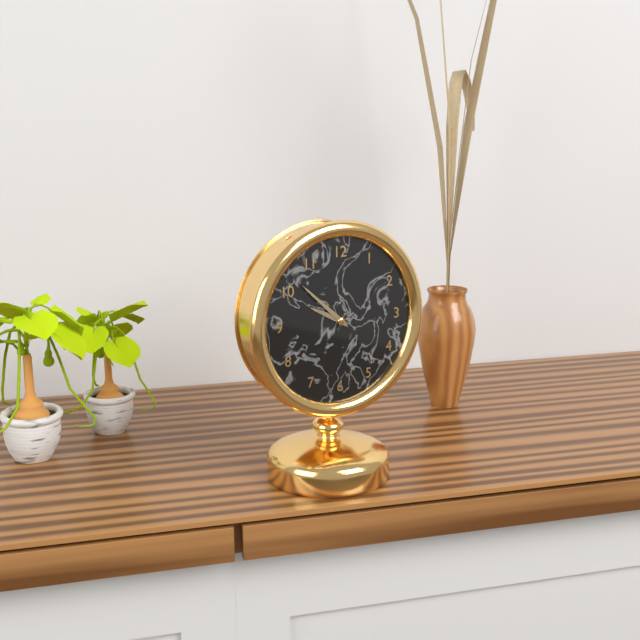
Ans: 9:52
